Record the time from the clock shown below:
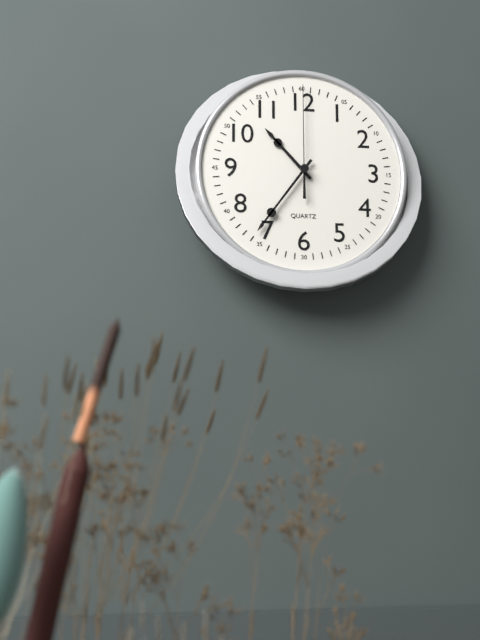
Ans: 10:36:00
